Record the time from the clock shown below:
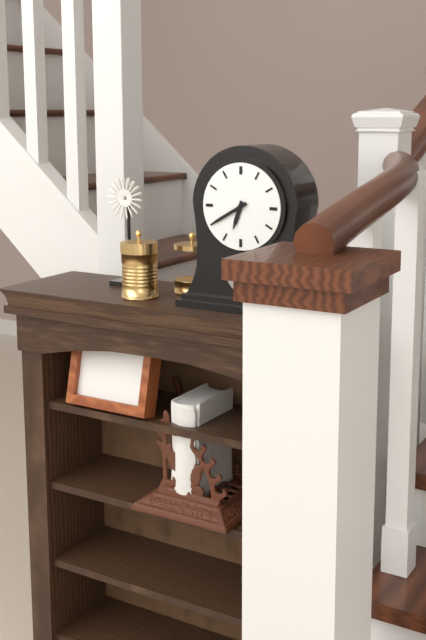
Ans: 6:40
